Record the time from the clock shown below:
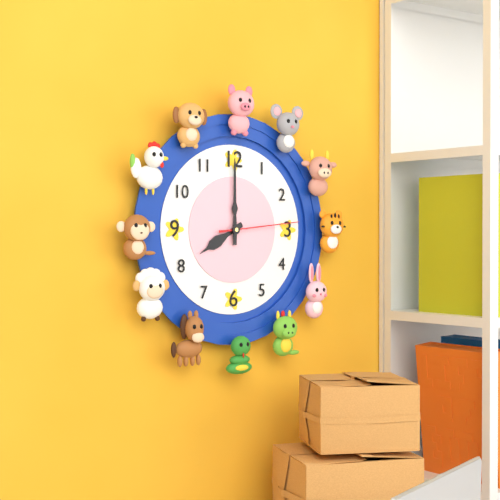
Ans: 8:00:14
